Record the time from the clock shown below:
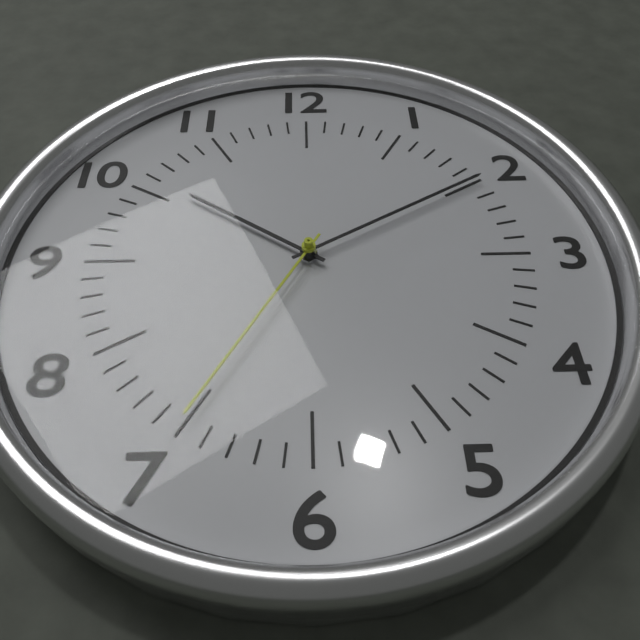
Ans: 10:10:35
